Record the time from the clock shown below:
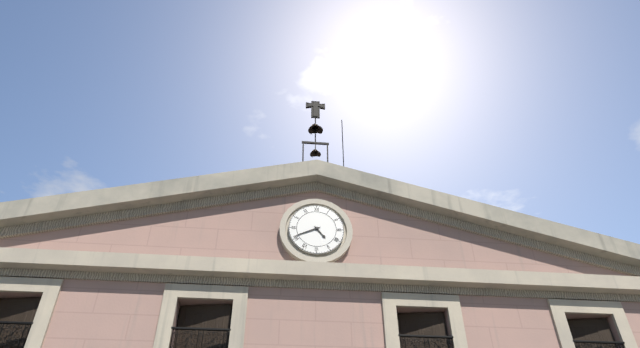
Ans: 4:41
